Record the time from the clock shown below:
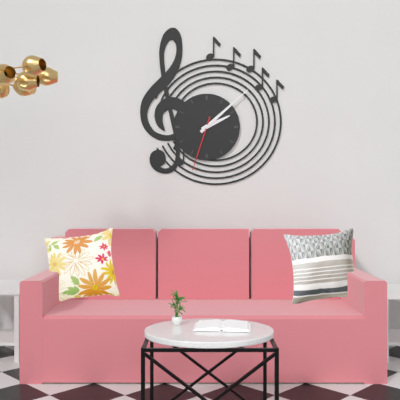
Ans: 2:08:33
